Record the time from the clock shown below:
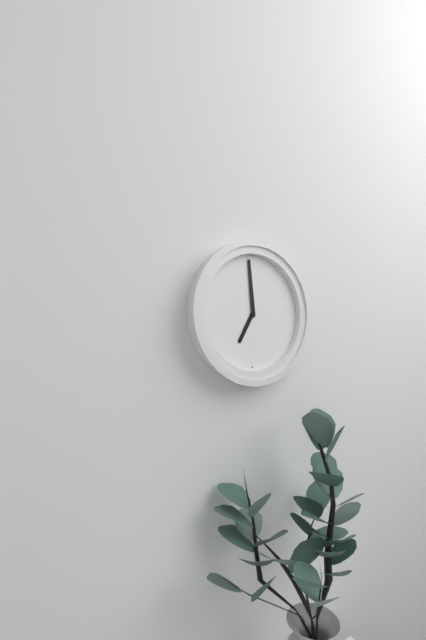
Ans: 6:59
